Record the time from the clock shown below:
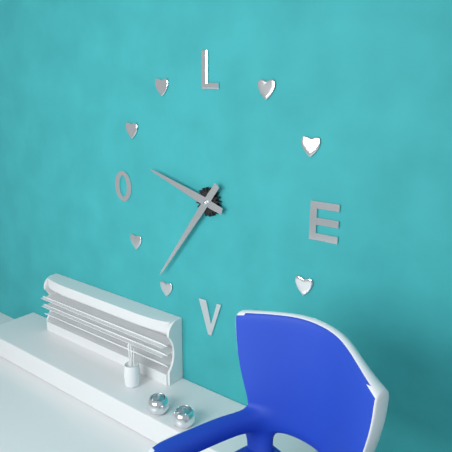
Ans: 9:36
